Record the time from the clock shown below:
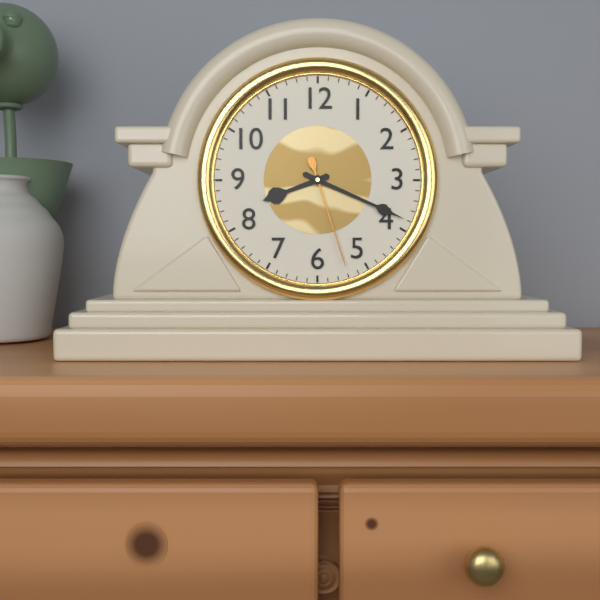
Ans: 8:19:27
